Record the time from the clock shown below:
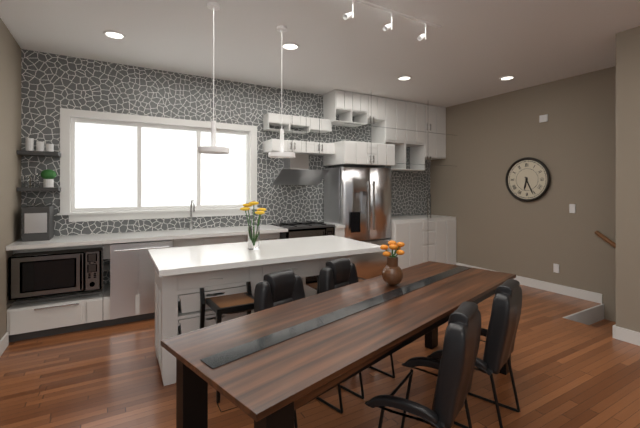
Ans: 6:26
